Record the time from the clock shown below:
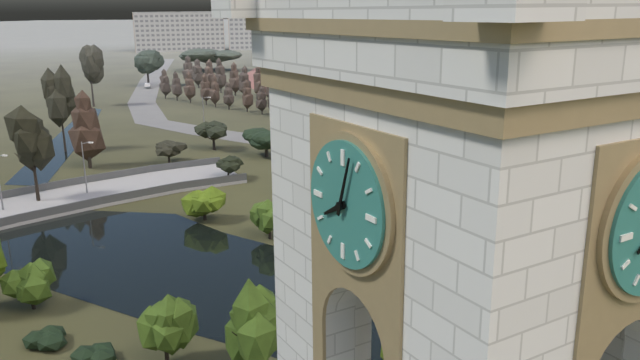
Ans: 8:03
